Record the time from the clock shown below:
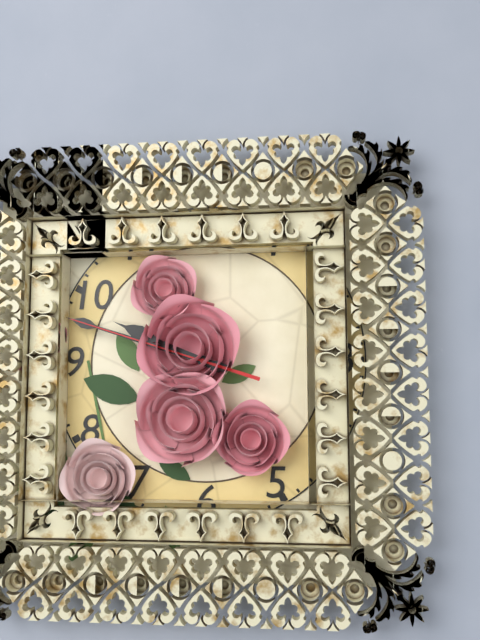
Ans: 9:48:48
